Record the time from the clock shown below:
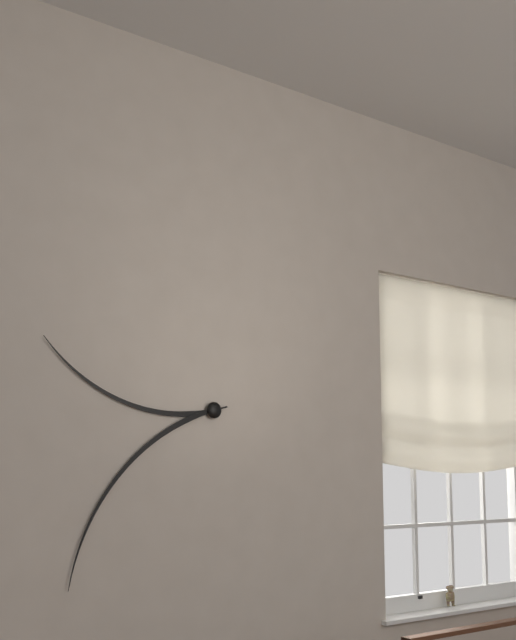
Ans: 9:37
